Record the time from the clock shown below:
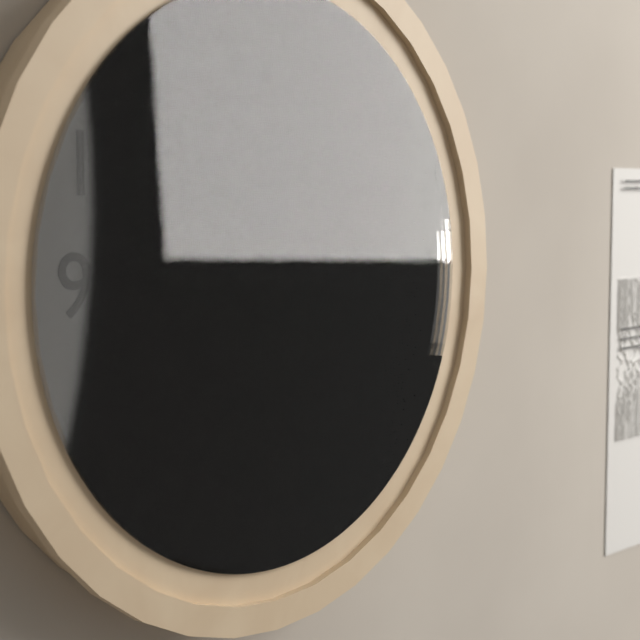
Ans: 11:39
